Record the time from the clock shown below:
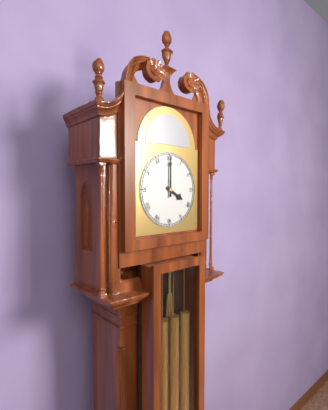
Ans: 4:00
